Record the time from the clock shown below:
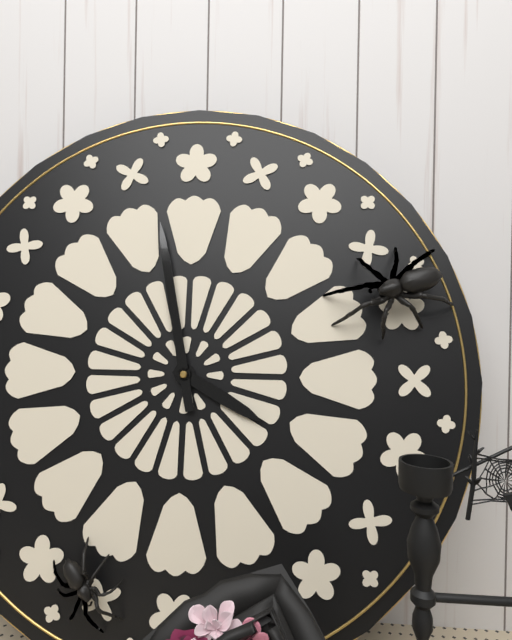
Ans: 3:58
